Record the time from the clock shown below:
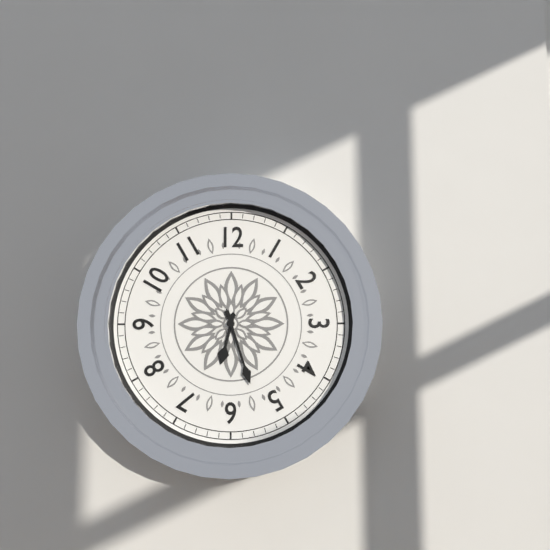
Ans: 6:27
